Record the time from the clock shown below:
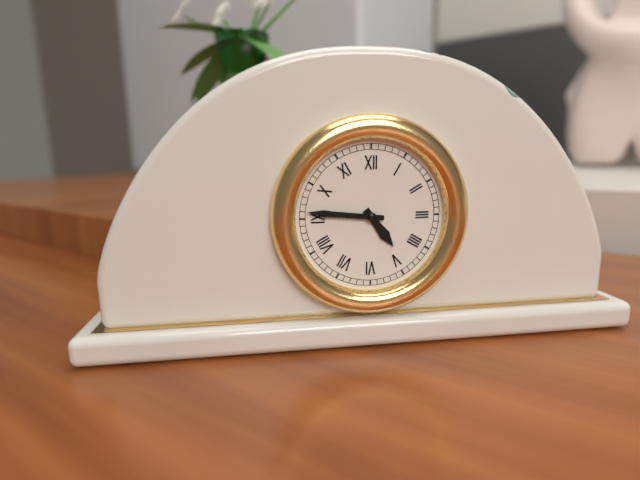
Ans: 4:46
